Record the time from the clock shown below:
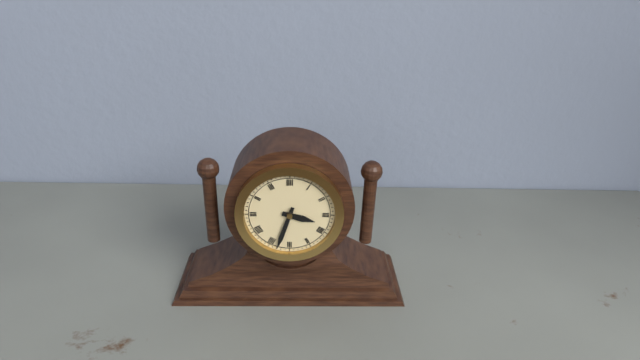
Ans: 3:33
